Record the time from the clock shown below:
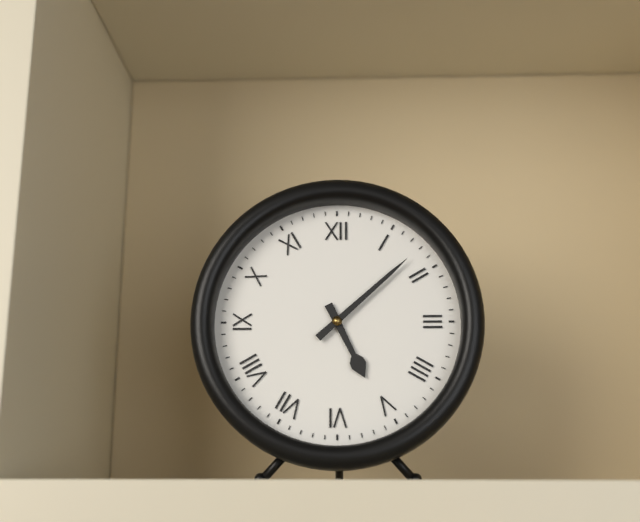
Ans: 5:08
